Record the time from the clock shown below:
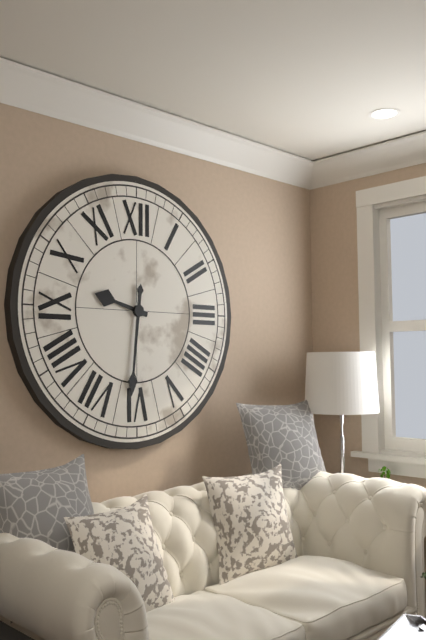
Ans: 9:31
